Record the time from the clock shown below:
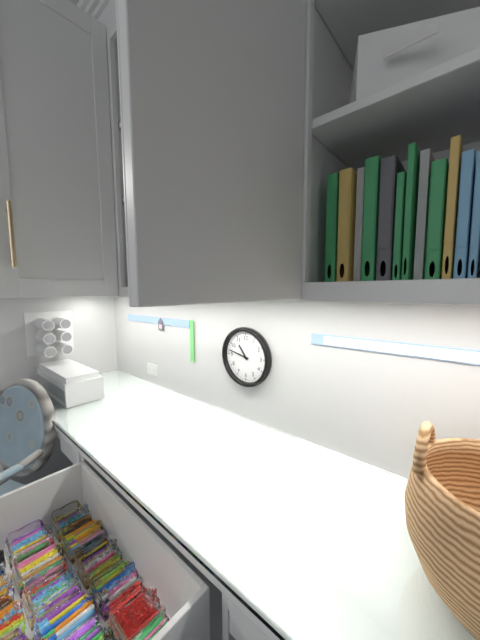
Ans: 10:47
